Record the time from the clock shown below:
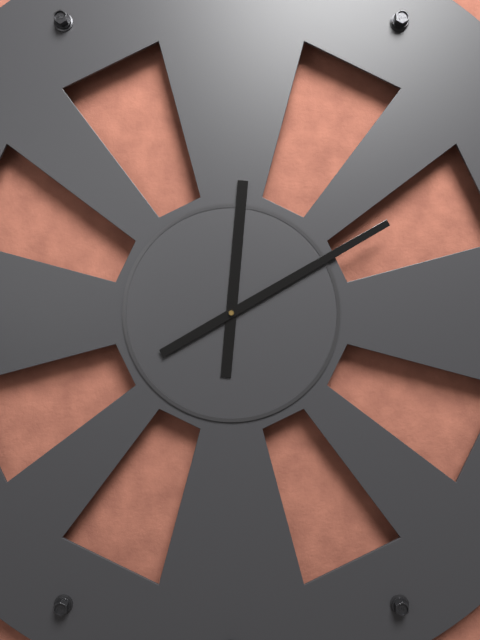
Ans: 12:10
